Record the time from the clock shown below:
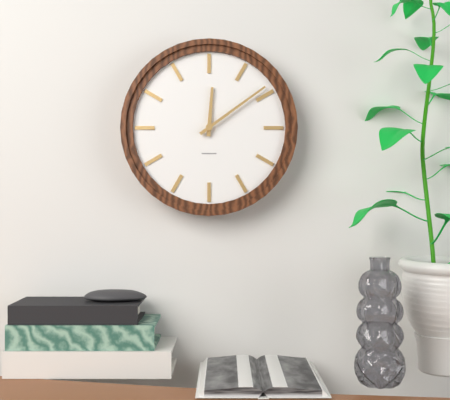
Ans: 12:09
